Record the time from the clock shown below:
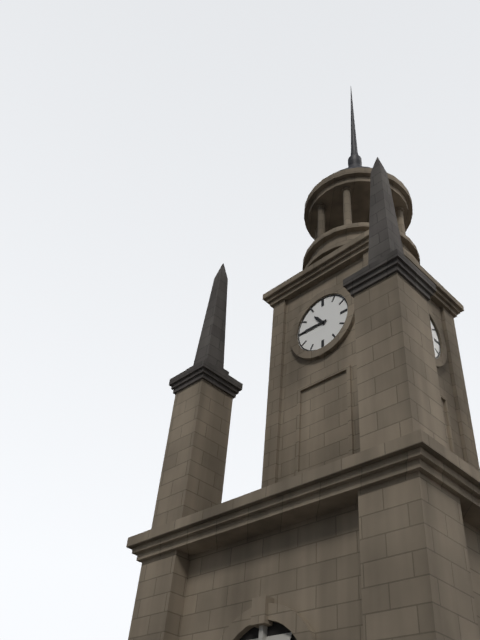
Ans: 10:45
